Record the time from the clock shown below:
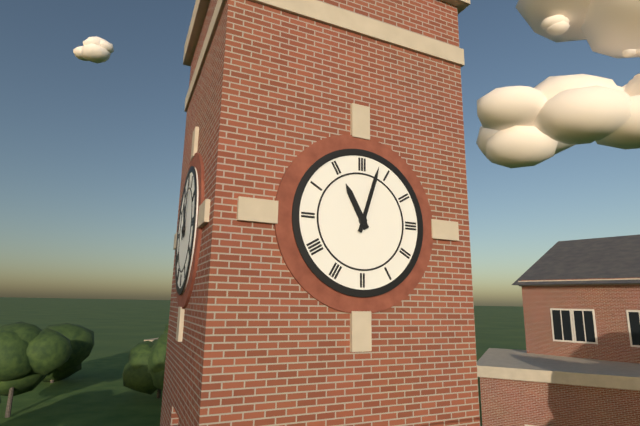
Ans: 11:03
